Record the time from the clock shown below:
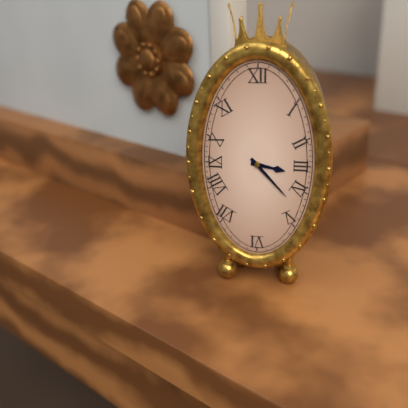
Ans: 3:23
